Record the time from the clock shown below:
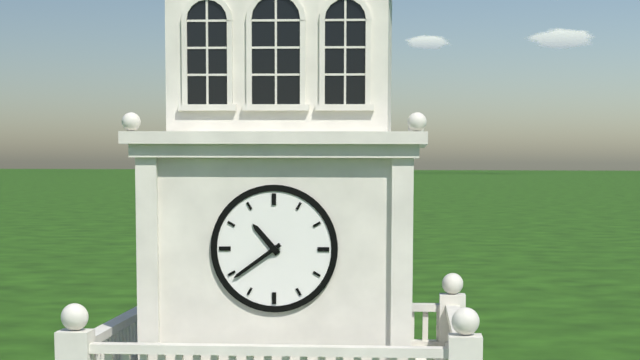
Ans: 10:39
